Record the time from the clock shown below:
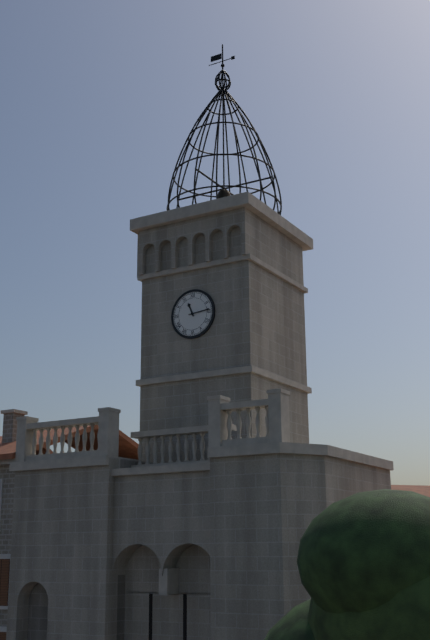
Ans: 11:14
